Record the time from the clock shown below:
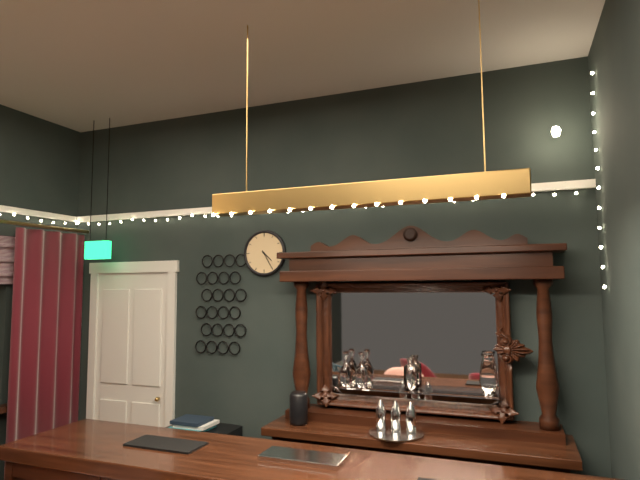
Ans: 4:25
